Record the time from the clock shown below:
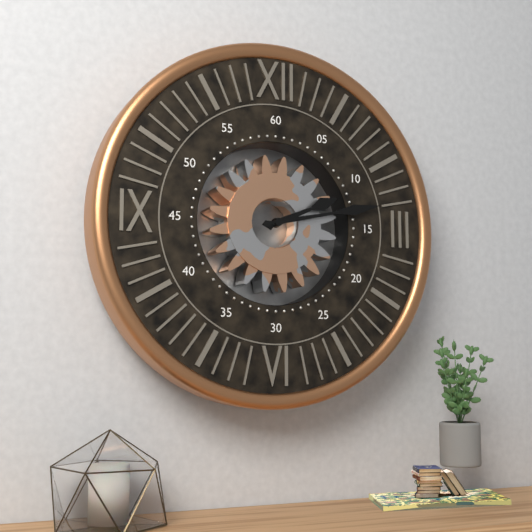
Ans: 2:13
